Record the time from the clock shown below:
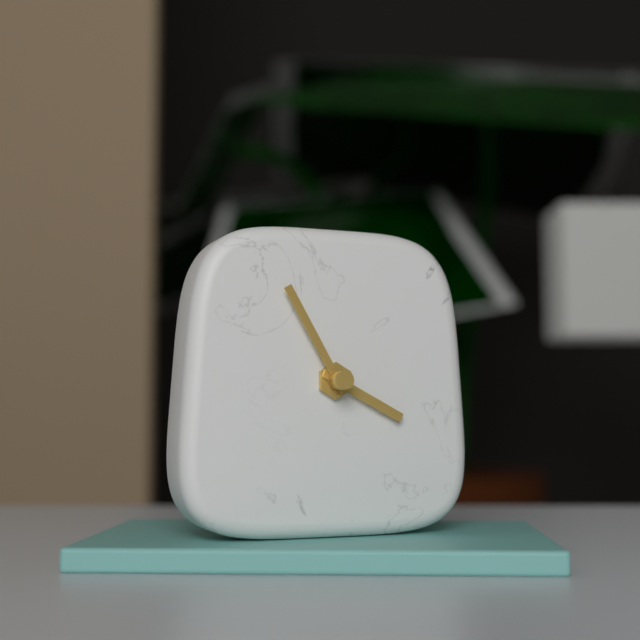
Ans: 3:55
